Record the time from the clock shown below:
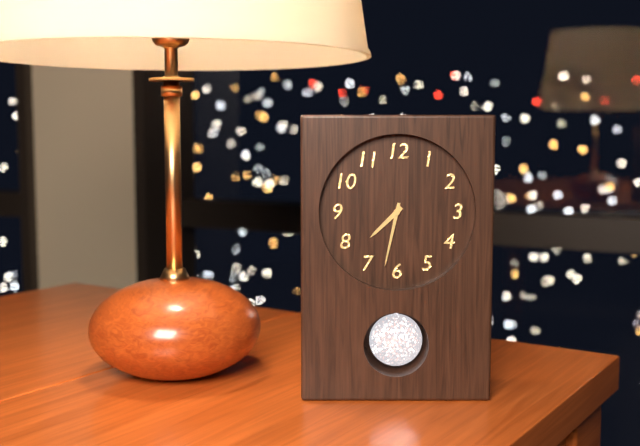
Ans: 7:32
